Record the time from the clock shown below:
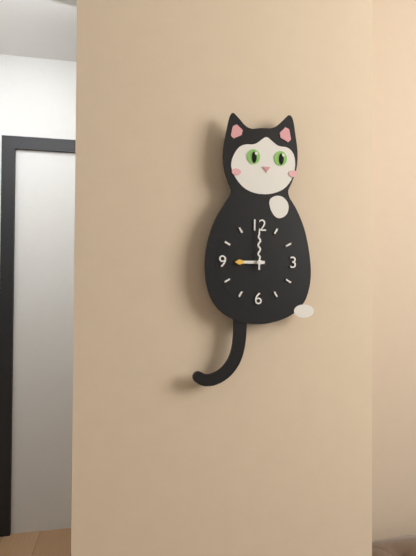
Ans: 9:00
